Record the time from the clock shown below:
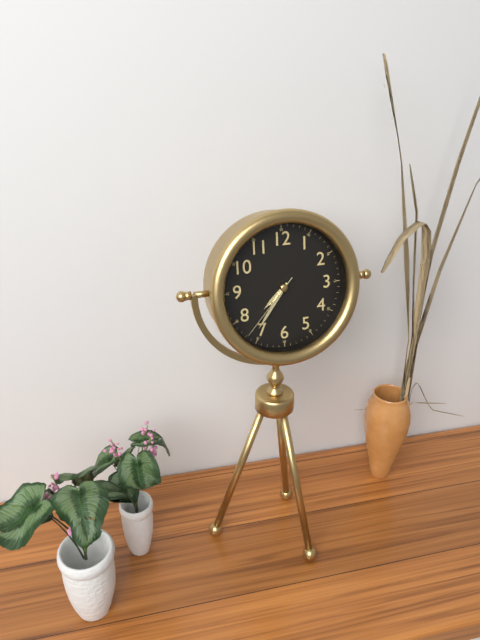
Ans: 7:36:37
